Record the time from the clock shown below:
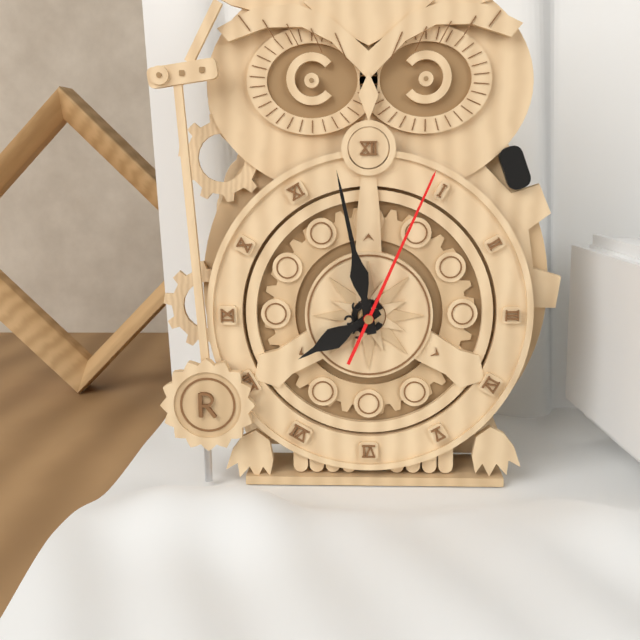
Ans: 7:58:04
